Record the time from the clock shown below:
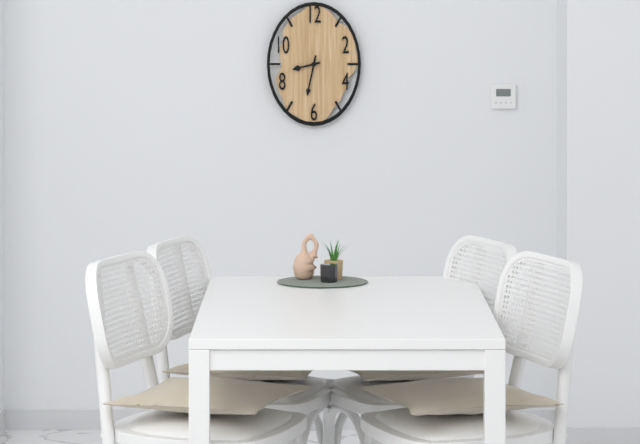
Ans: 8:32
